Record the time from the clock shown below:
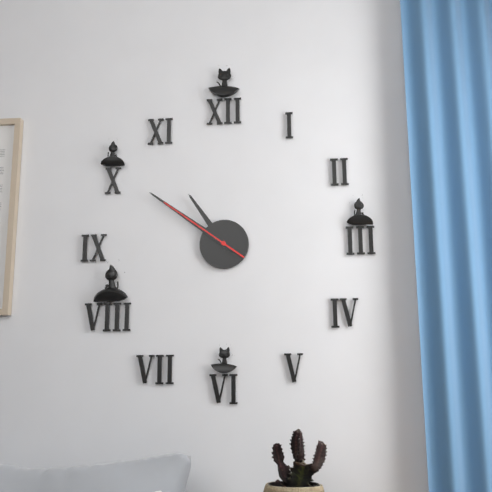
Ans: 10:51:51
